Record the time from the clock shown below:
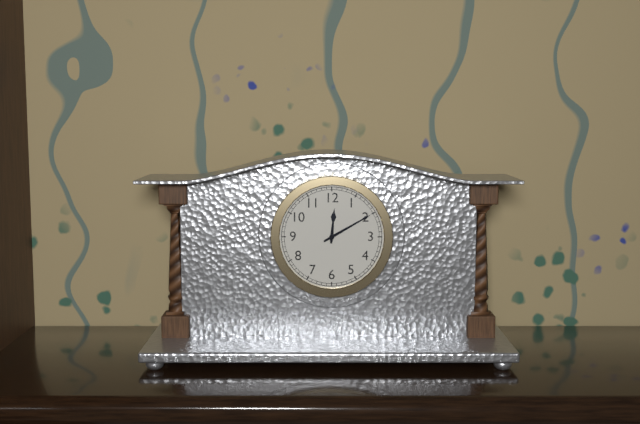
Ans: 12:10
